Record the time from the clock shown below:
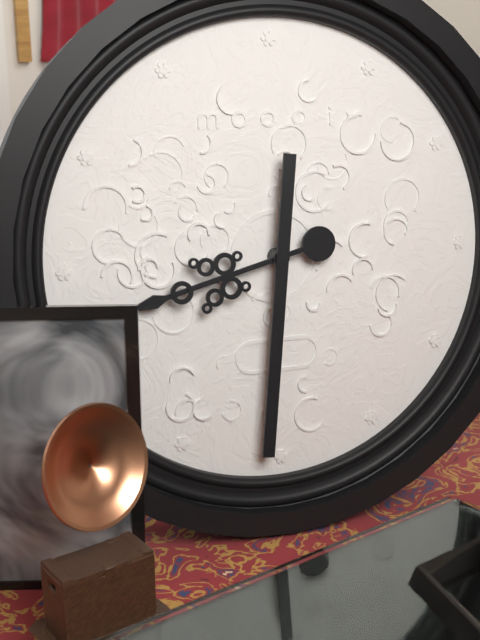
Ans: 8:31
